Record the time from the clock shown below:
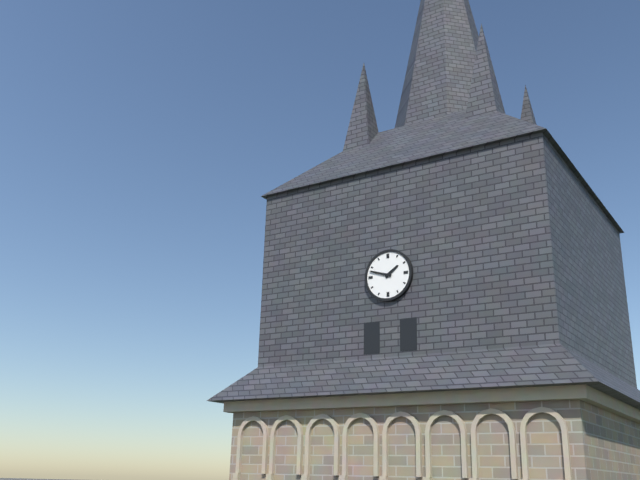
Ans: 1:48
